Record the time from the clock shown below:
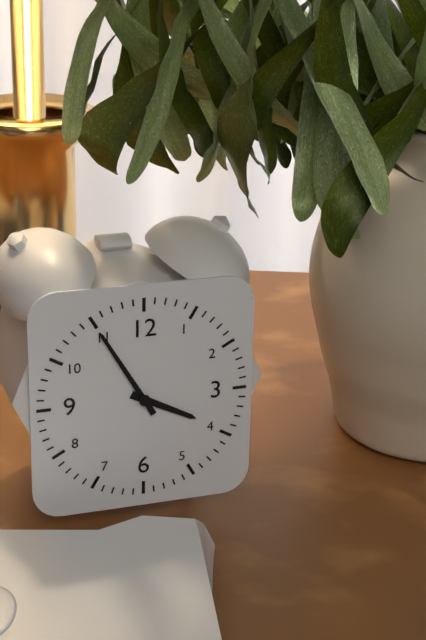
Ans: 3:55
